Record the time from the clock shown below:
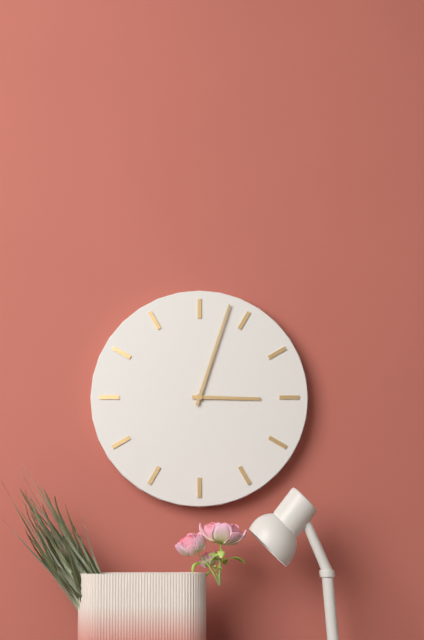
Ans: 3:03
